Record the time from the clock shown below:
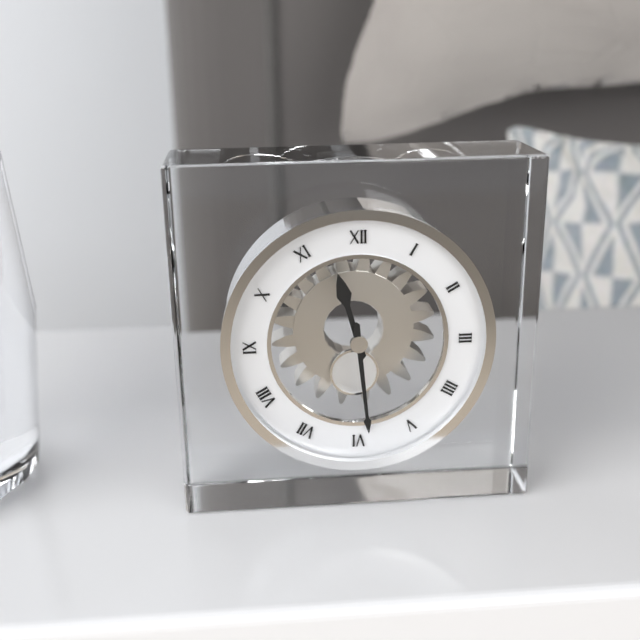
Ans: 11:29
